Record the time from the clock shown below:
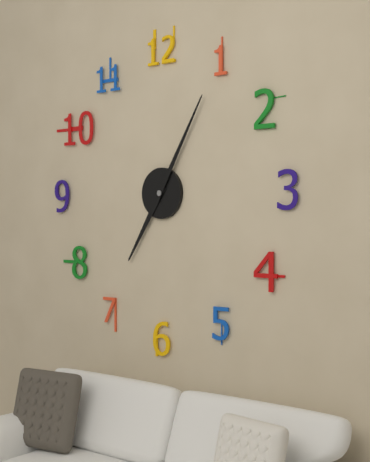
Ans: 7:05
